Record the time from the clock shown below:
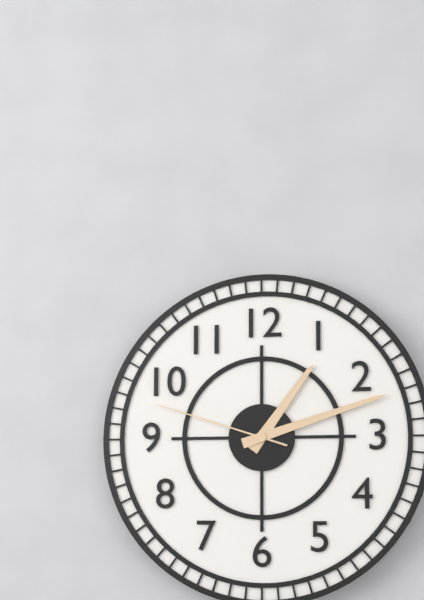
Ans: 1:12:48
